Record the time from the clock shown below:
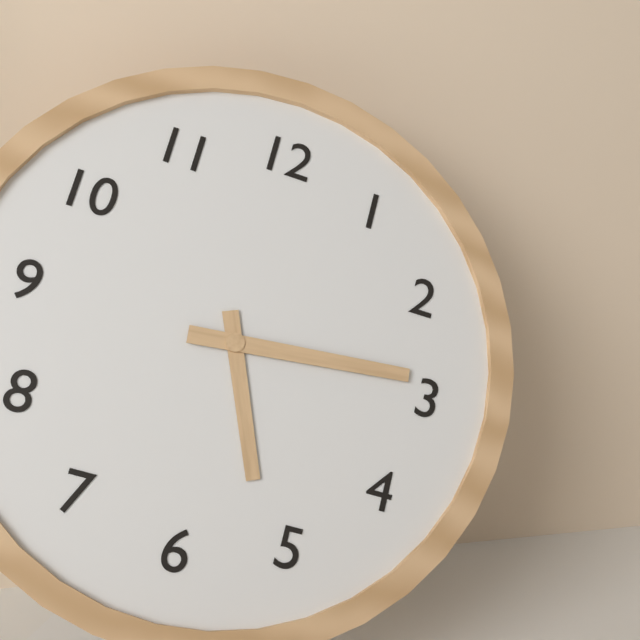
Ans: 5:14
